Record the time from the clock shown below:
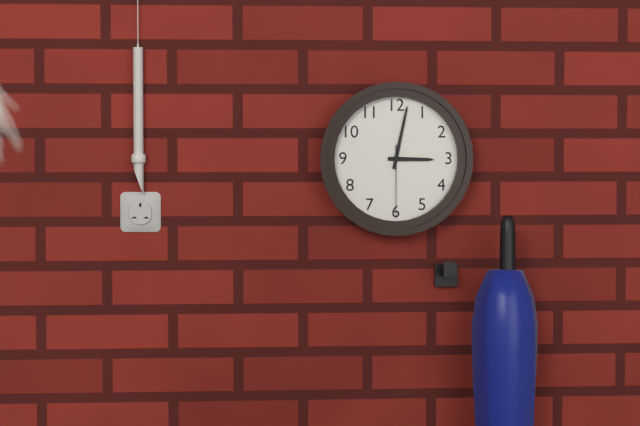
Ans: 3:02:30
